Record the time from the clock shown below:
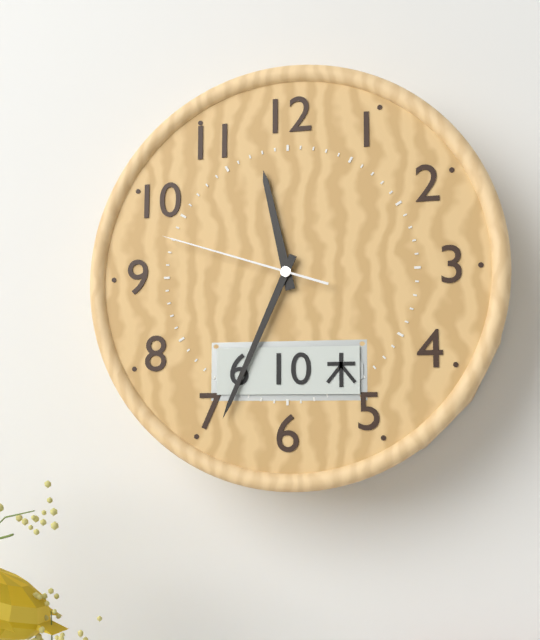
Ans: 11:34:48
